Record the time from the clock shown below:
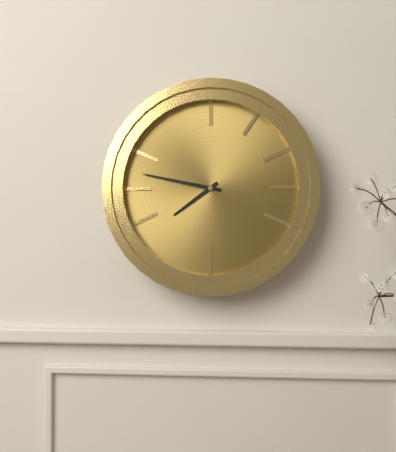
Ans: 7:47
